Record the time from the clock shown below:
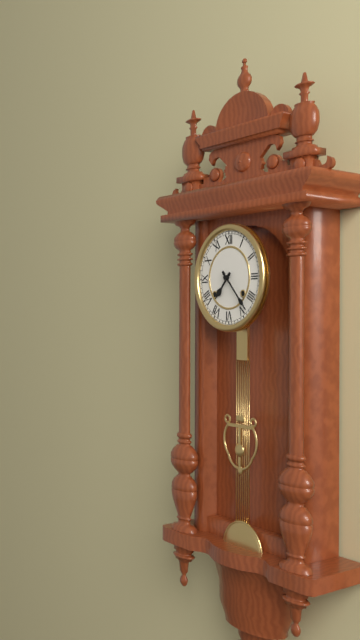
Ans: 7:23
